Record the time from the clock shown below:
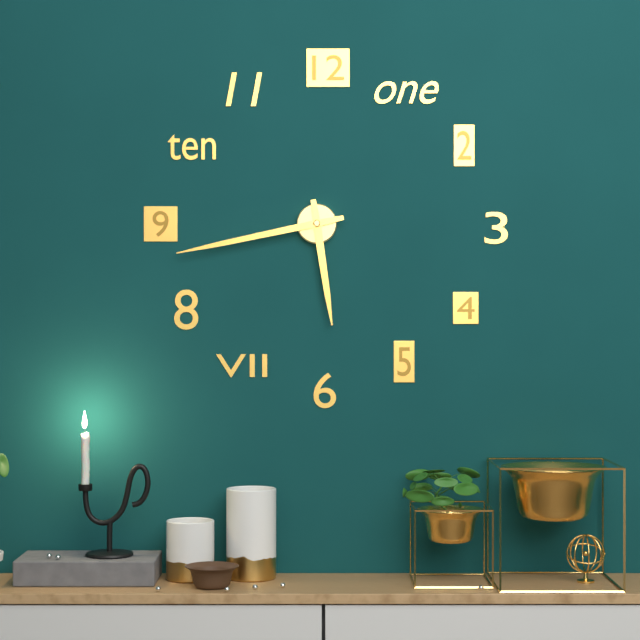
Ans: 5:43
